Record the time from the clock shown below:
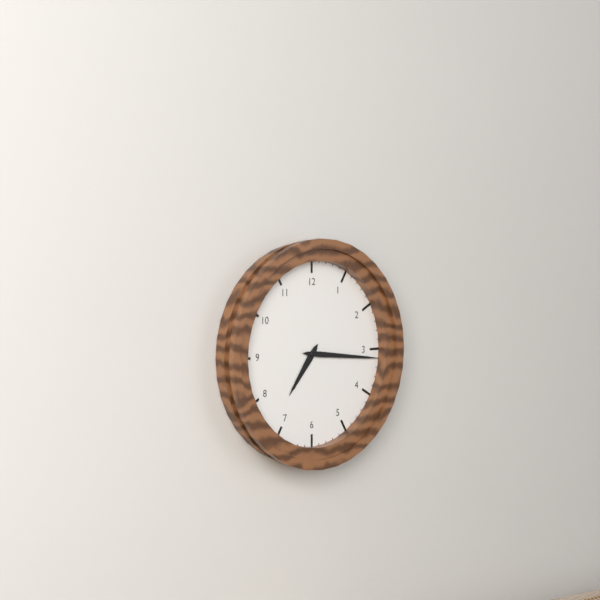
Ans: 7:16
